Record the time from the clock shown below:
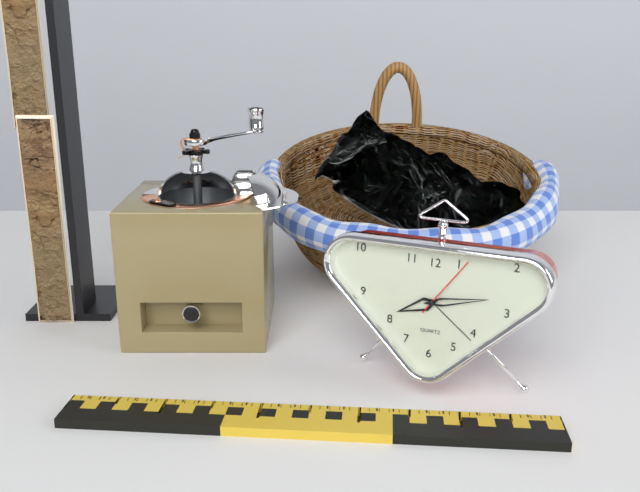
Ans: 8:13:06
